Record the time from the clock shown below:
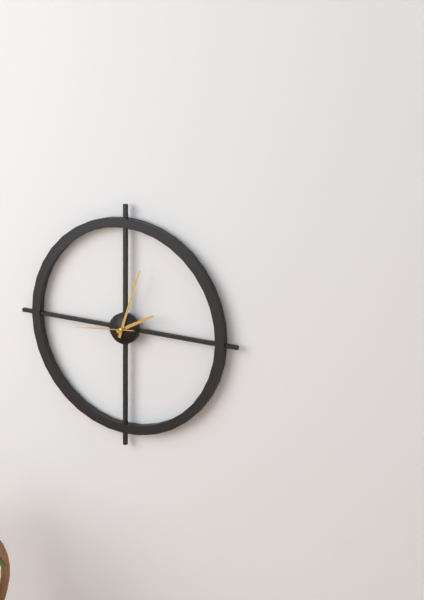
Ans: 2:03:44
